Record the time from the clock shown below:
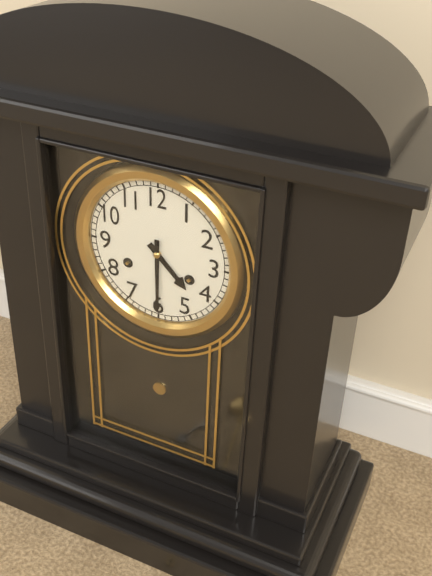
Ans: 4:30
